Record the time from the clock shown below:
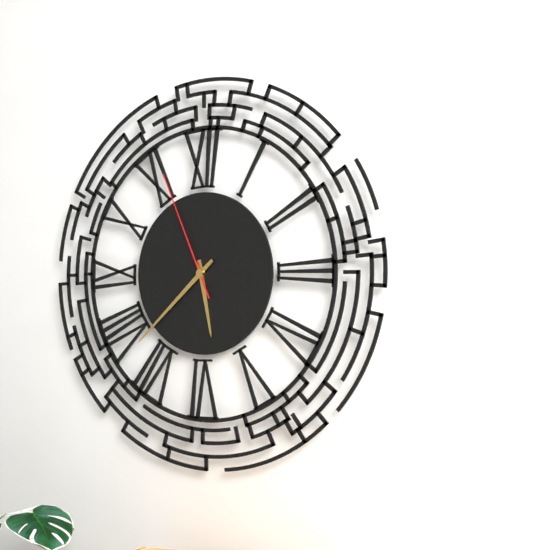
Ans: 5:38:56
